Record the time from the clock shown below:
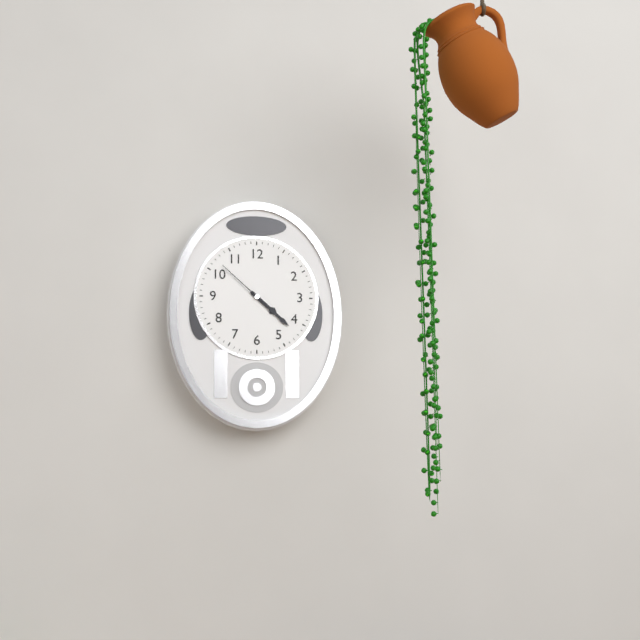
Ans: 4:22:52
